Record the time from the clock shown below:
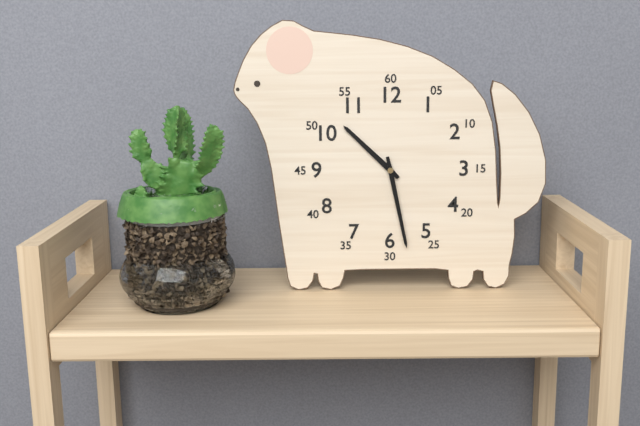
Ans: 10:28
